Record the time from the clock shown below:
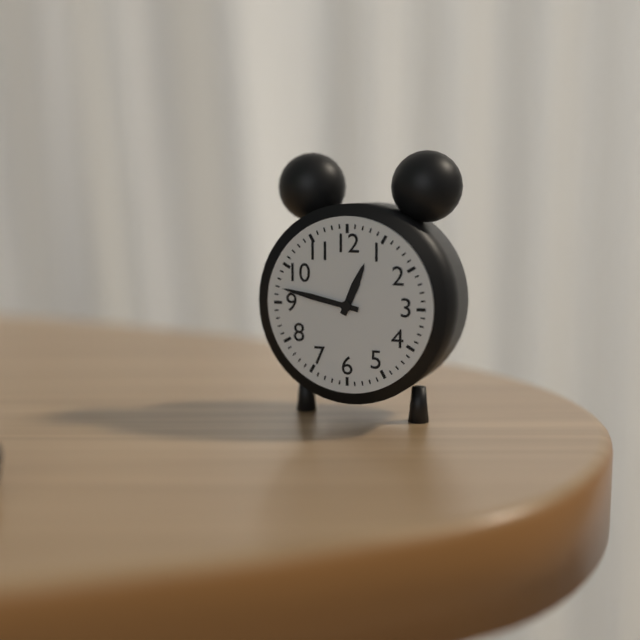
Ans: 12:47
